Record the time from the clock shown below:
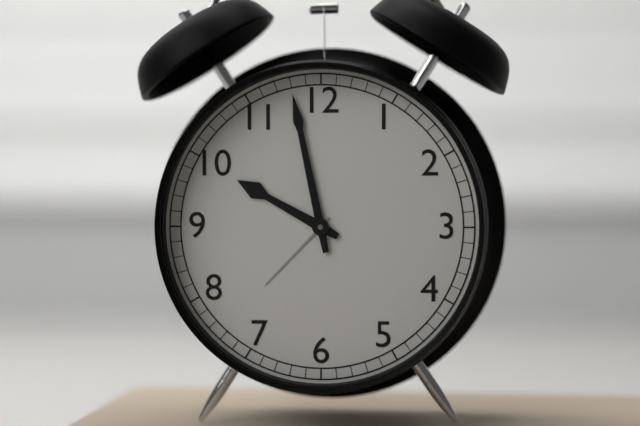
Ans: 9:58
